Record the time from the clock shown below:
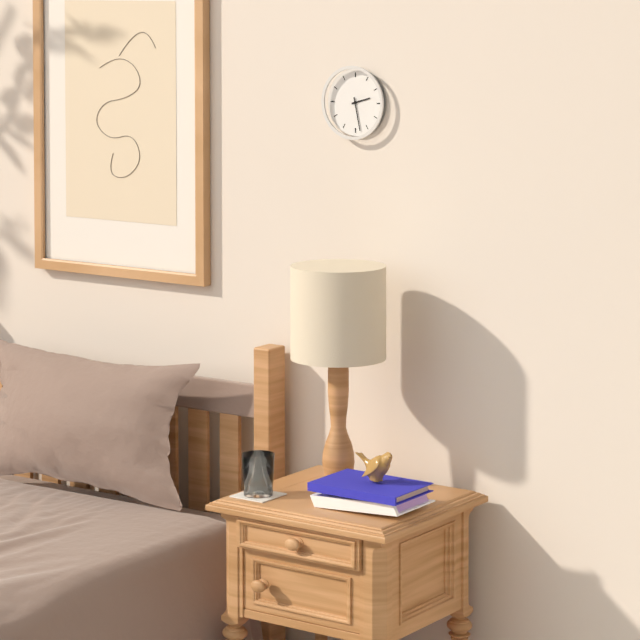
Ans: 2:28
